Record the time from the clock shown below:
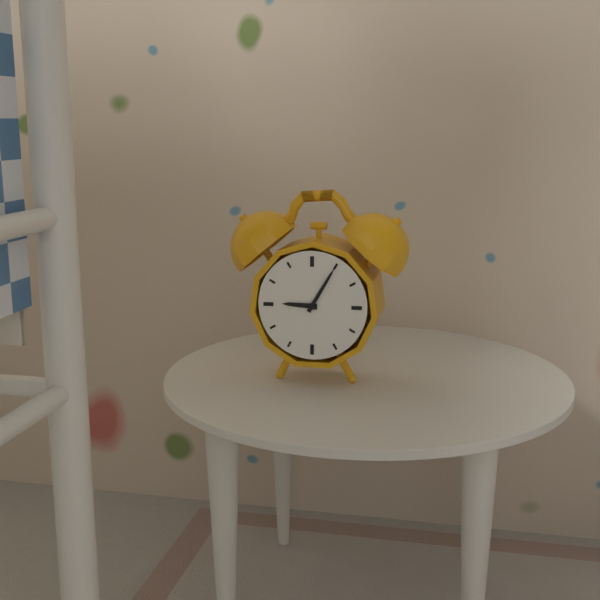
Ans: 9:05
